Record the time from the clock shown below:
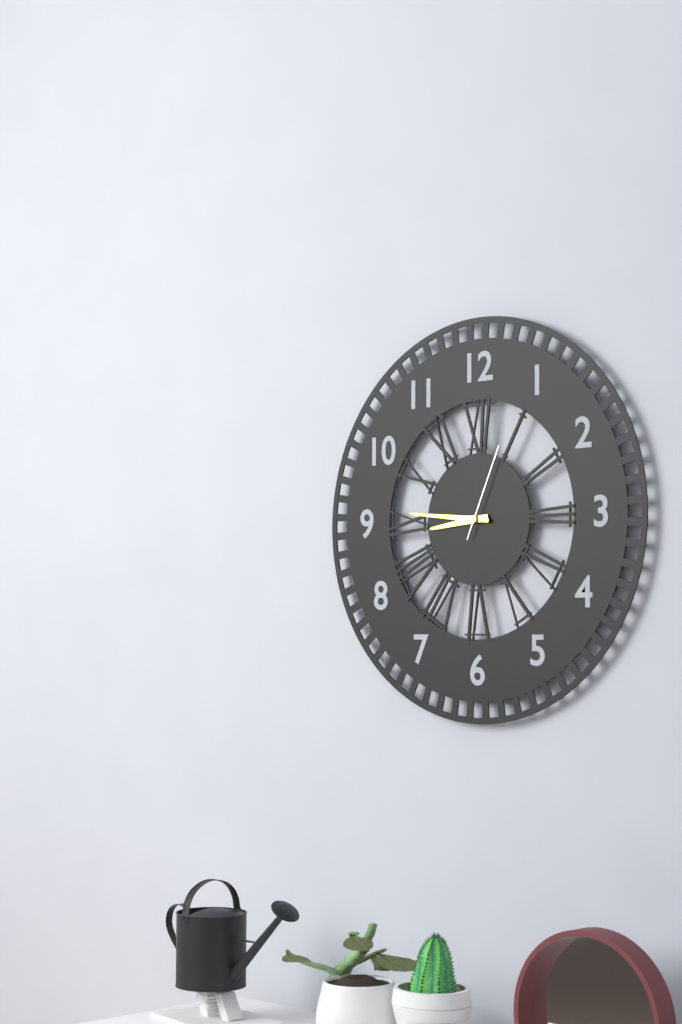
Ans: 8:46:04
